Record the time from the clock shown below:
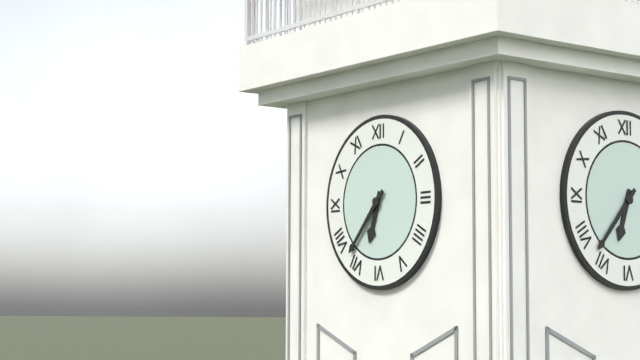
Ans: 6:37
